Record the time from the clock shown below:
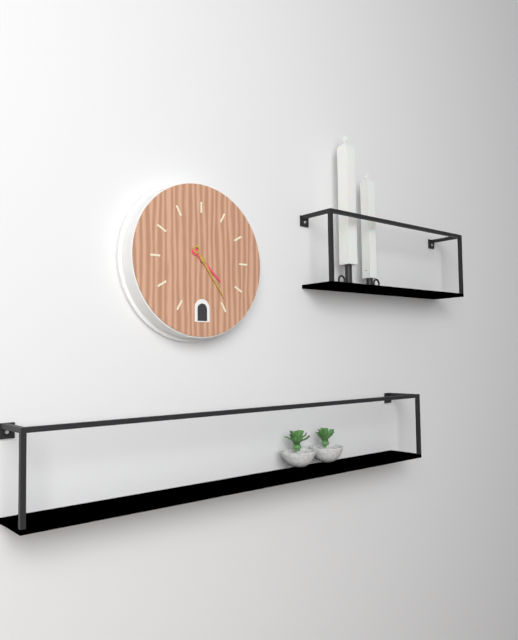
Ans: 4:24
